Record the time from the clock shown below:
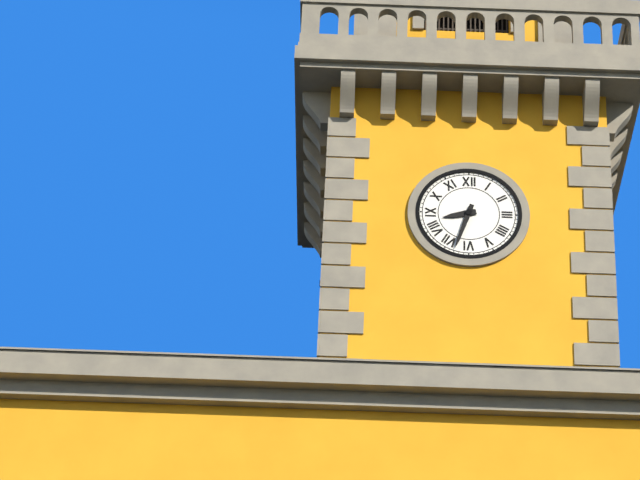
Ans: 8:33
